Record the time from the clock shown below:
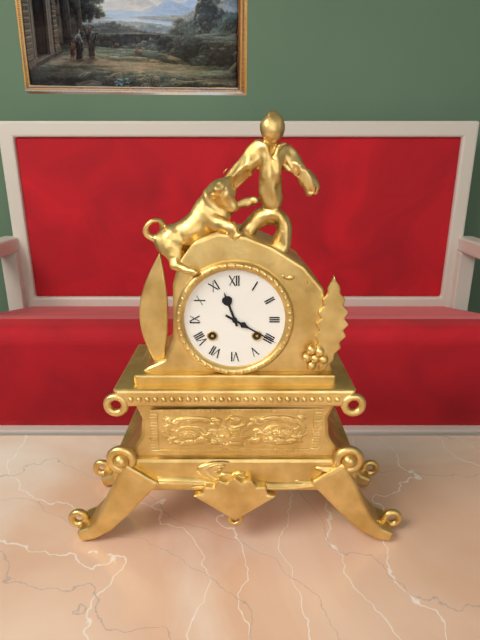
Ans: 11:20
